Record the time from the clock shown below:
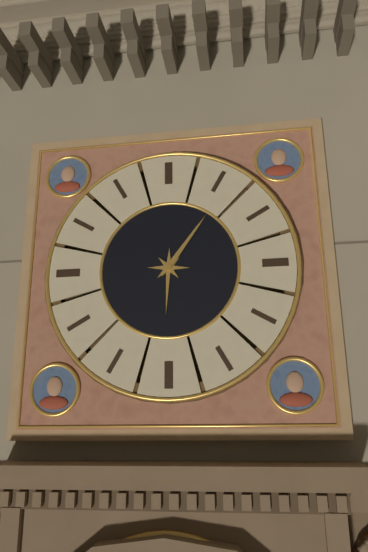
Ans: 6:06
